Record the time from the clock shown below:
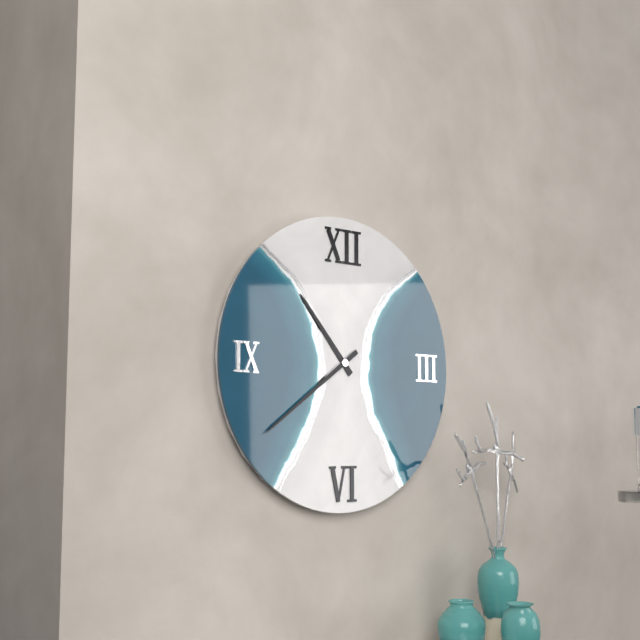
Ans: 10:39
